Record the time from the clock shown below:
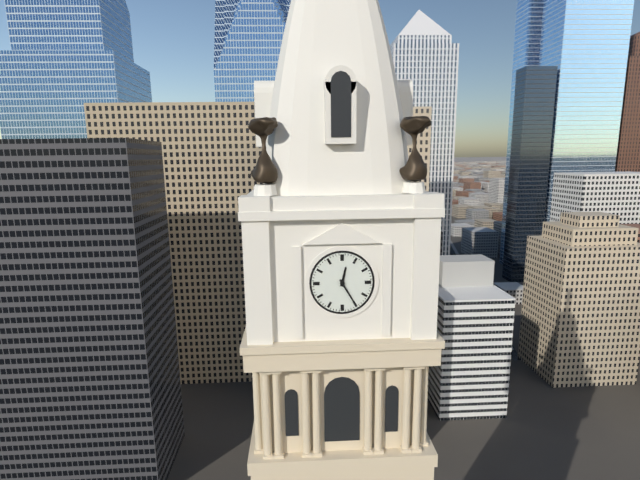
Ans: 12:25
